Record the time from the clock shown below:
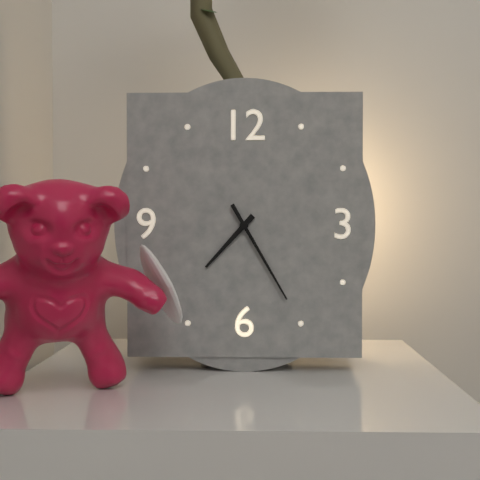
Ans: 7:25
